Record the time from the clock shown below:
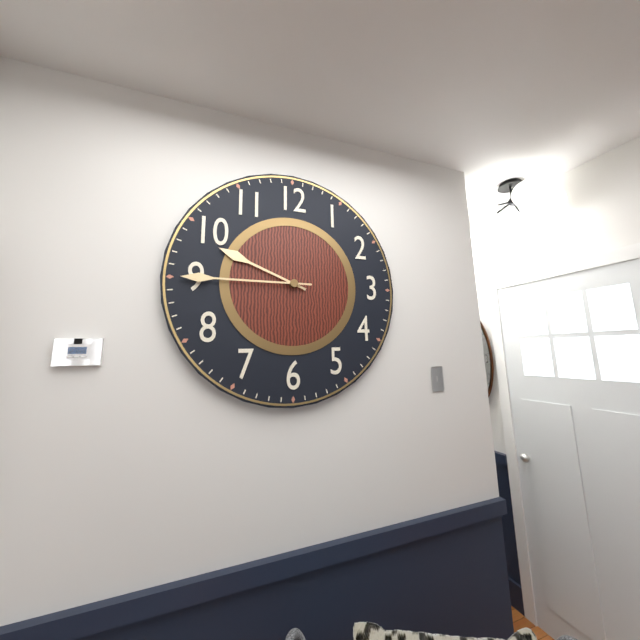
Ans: 9:45
